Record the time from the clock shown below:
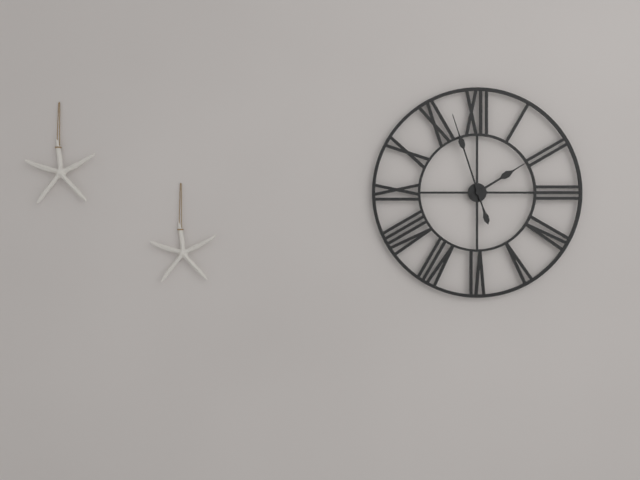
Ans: 1:57
